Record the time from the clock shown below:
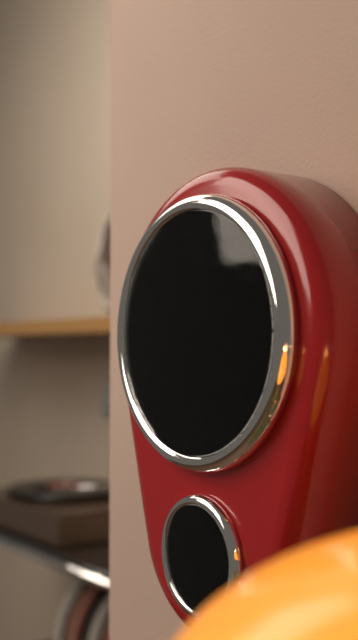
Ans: 1:11:06
